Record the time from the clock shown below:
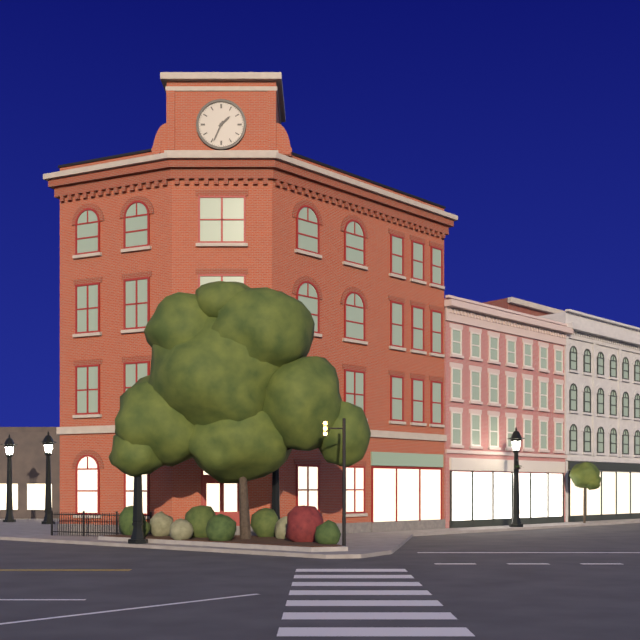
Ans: 1:34
